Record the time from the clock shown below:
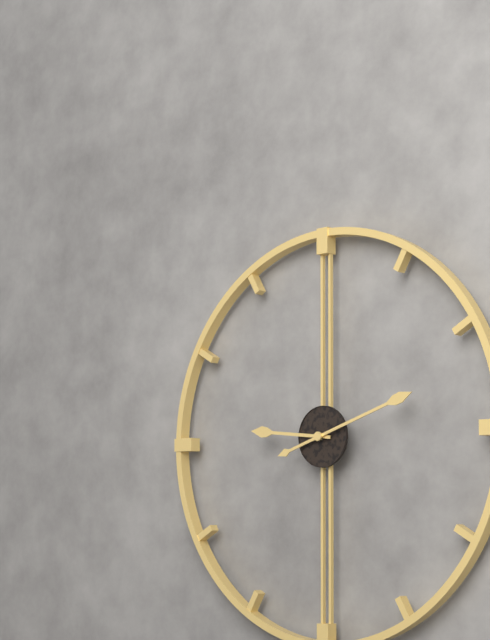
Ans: 9:12
